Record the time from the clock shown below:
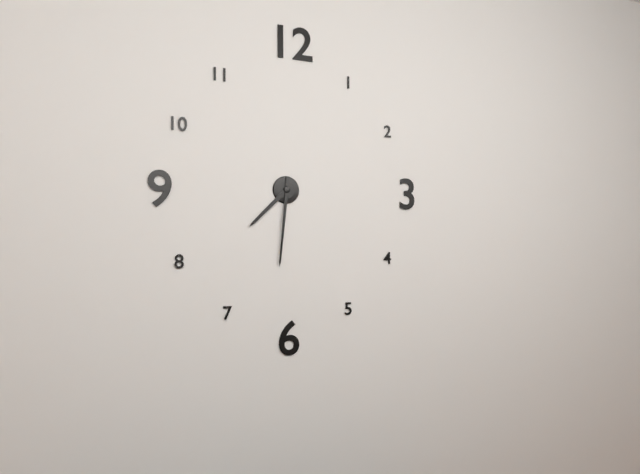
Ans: 7:31
